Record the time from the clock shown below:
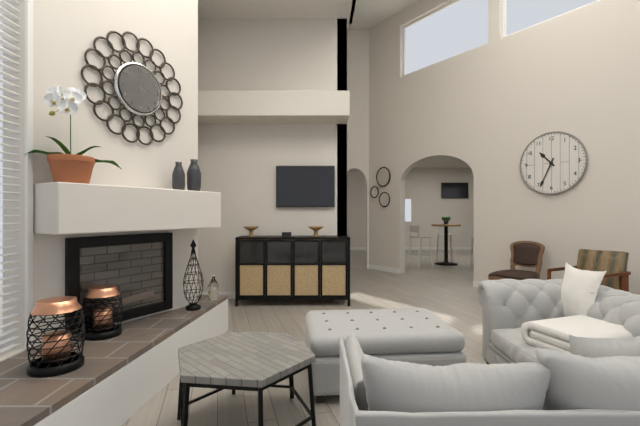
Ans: 10:34
